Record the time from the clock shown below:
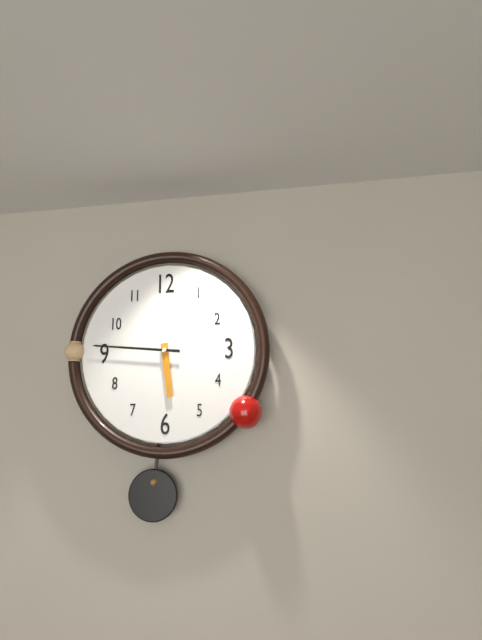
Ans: 5:46
